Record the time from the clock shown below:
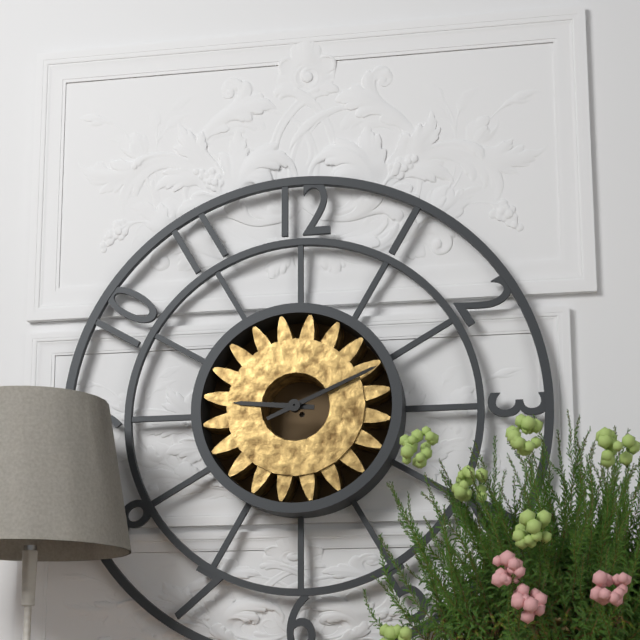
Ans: 9:11
